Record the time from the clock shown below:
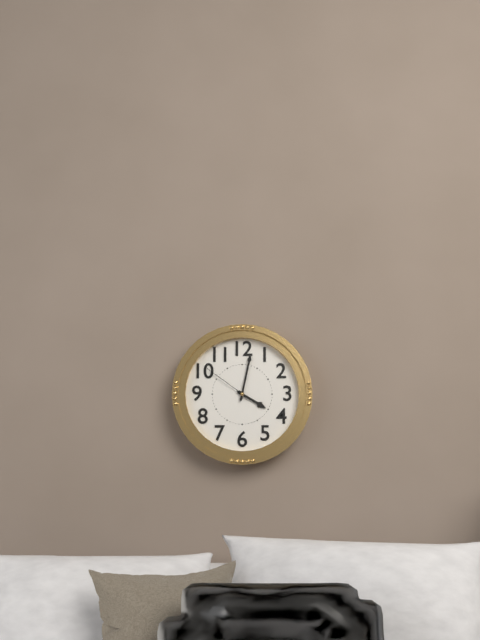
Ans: 4:02:51
